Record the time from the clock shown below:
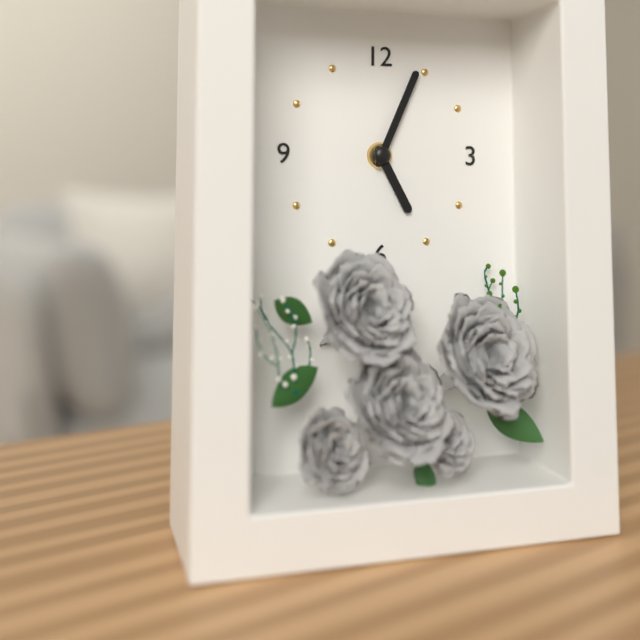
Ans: 5:04
